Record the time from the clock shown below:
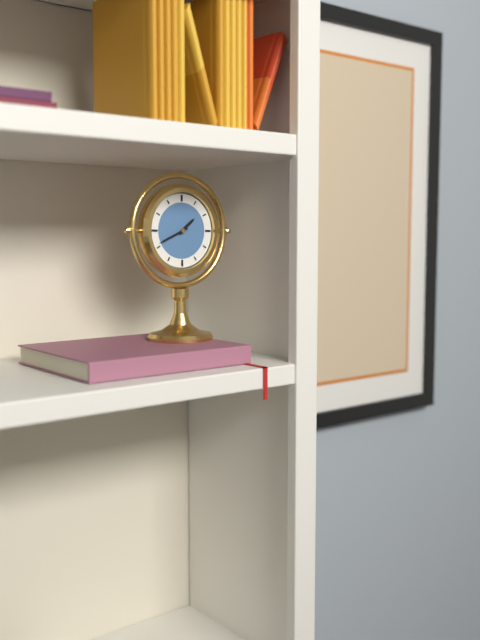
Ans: 1:41
